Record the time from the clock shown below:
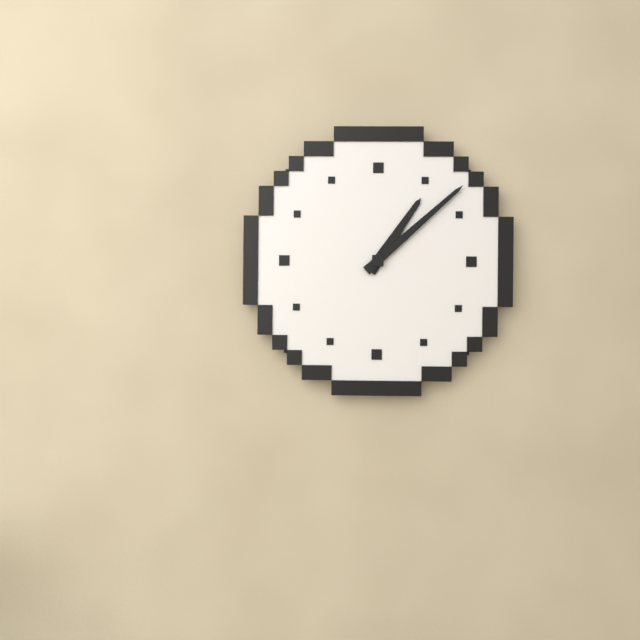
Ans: 1:08
